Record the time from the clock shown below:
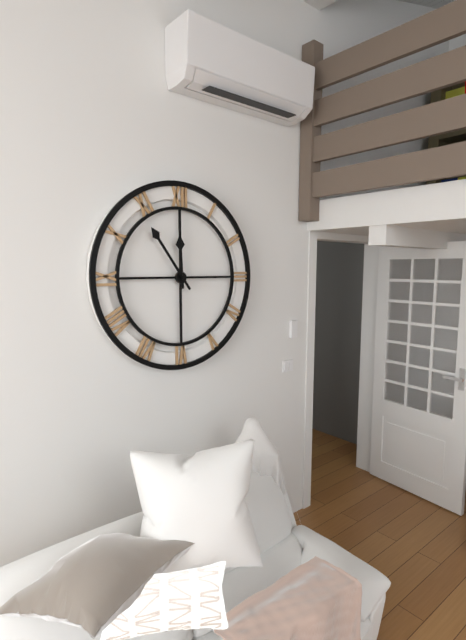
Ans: 11:54
